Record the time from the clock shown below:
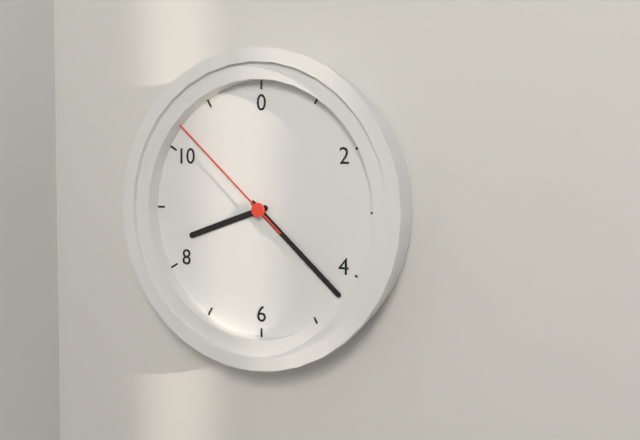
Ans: 8:22:52
